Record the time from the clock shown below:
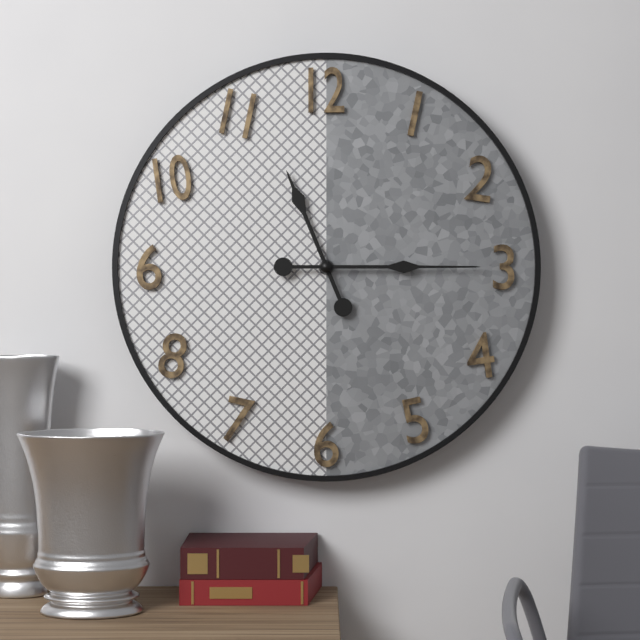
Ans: 11:15
